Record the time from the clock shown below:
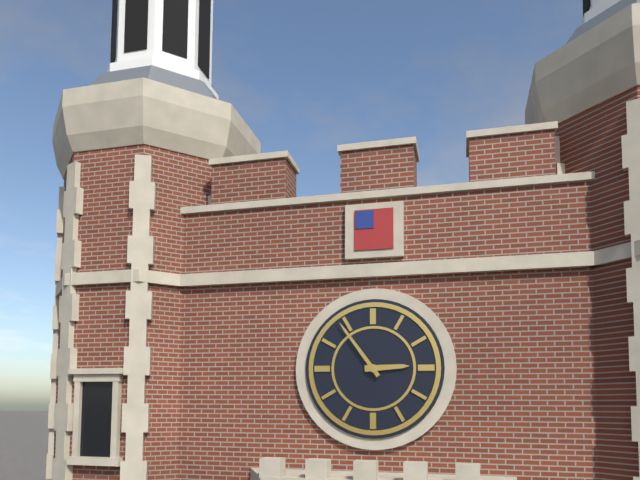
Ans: 2:54
